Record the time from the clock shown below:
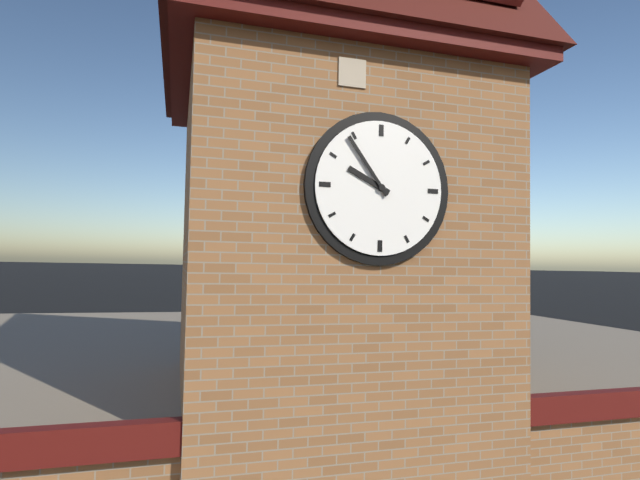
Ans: 9:54
